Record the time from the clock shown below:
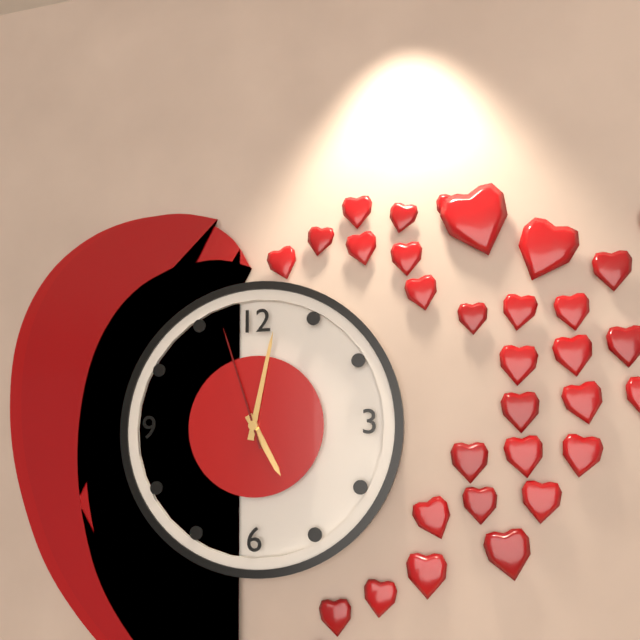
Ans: 5:02:57
